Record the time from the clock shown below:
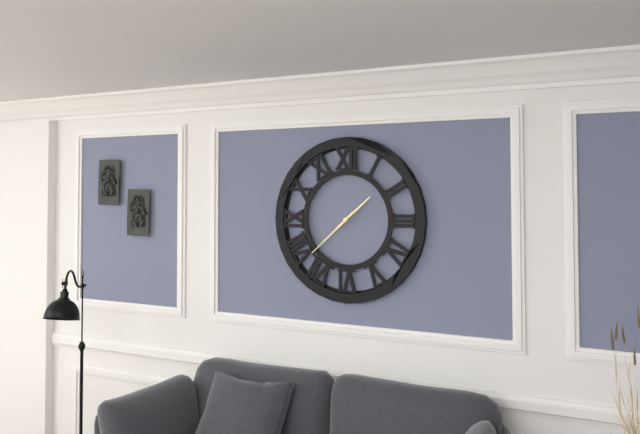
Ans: 1:38
